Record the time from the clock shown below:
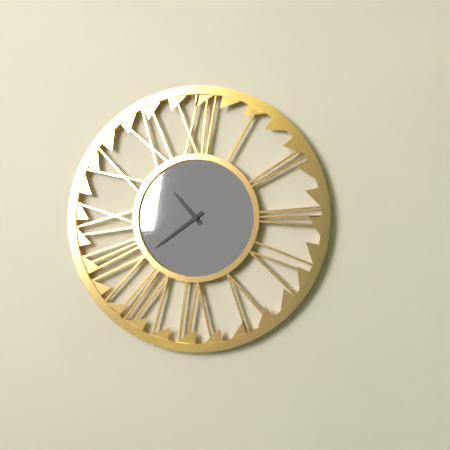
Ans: 10:39
